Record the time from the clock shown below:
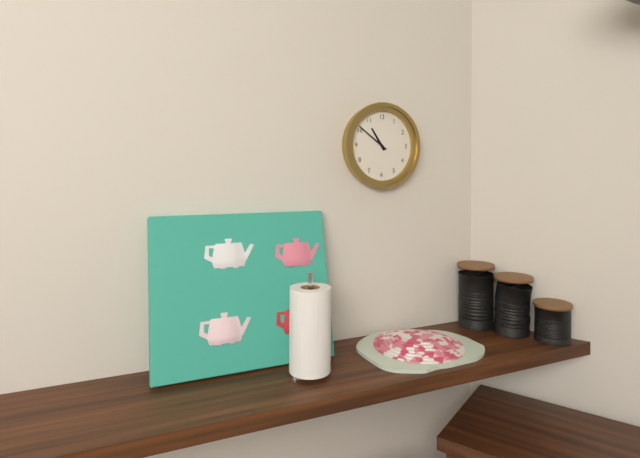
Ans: 10:51
